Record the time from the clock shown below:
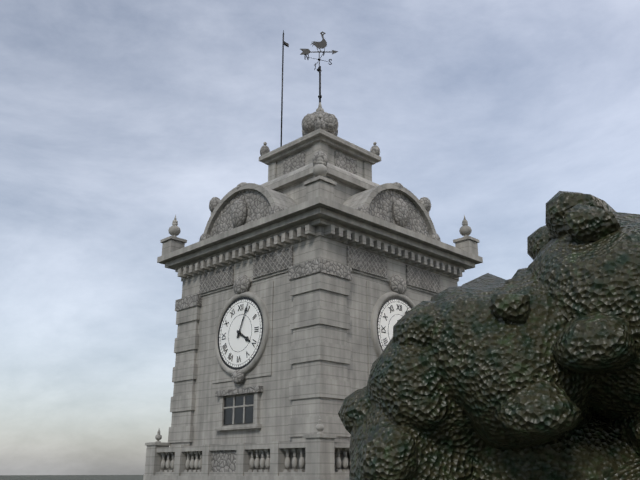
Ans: 4:04
